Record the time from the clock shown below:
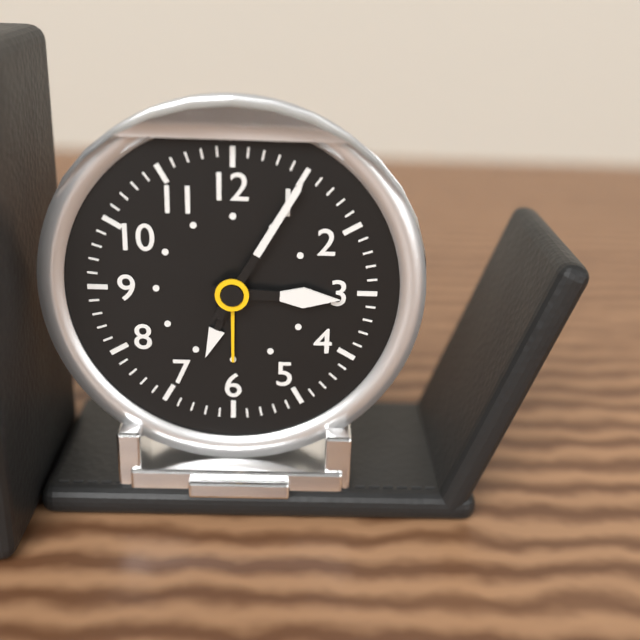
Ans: 3:05
